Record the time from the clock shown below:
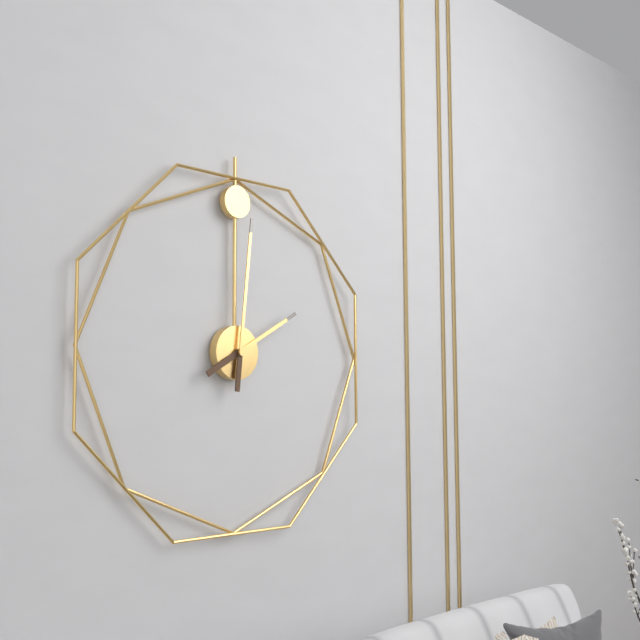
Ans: 2:01
